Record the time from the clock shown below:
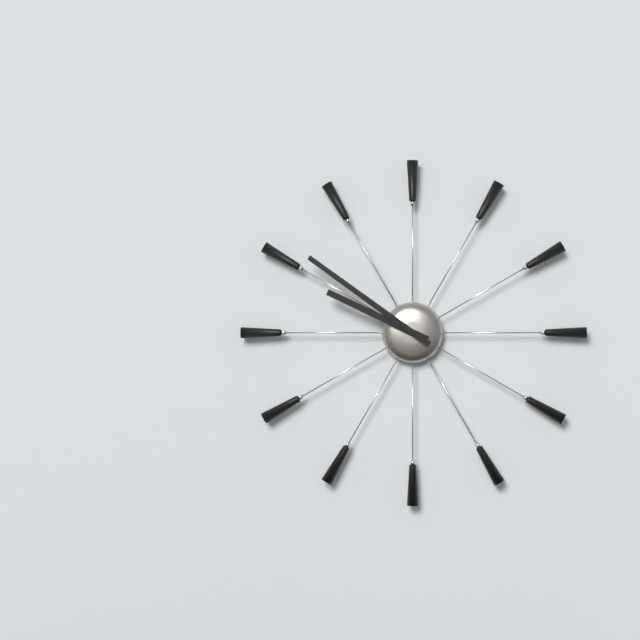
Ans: 9:51
